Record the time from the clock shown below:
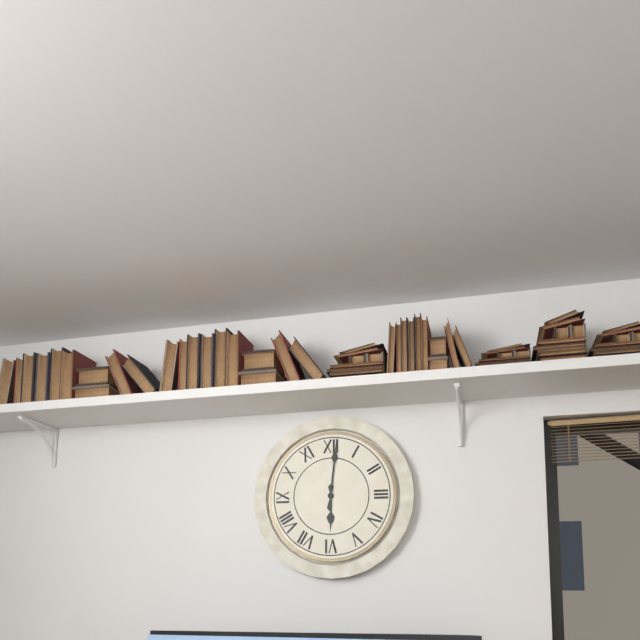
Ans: 6:01
